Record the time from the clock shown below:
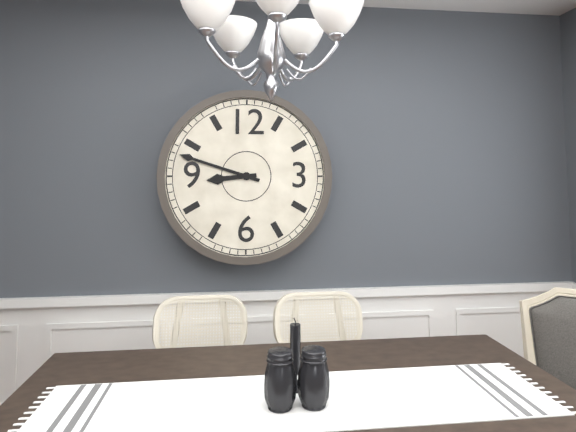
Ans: 8:48
